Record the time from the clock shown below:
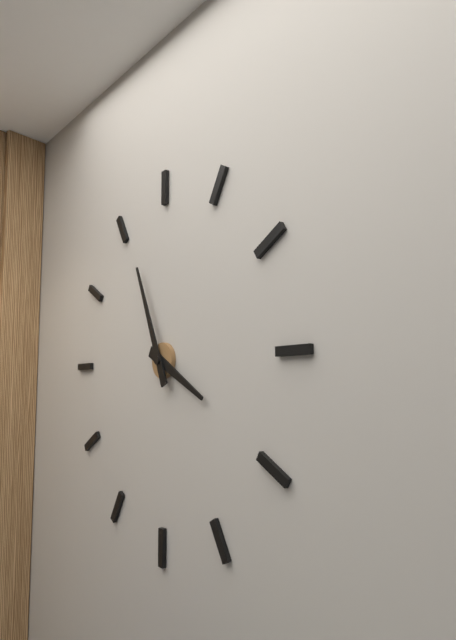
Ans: 3:56
